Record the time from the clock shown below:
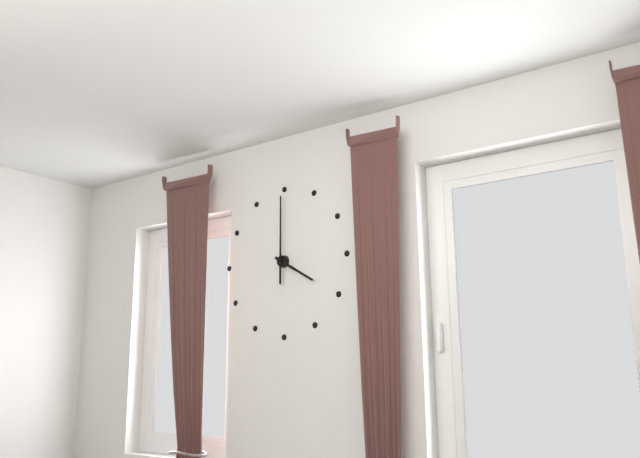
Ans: 4:00
